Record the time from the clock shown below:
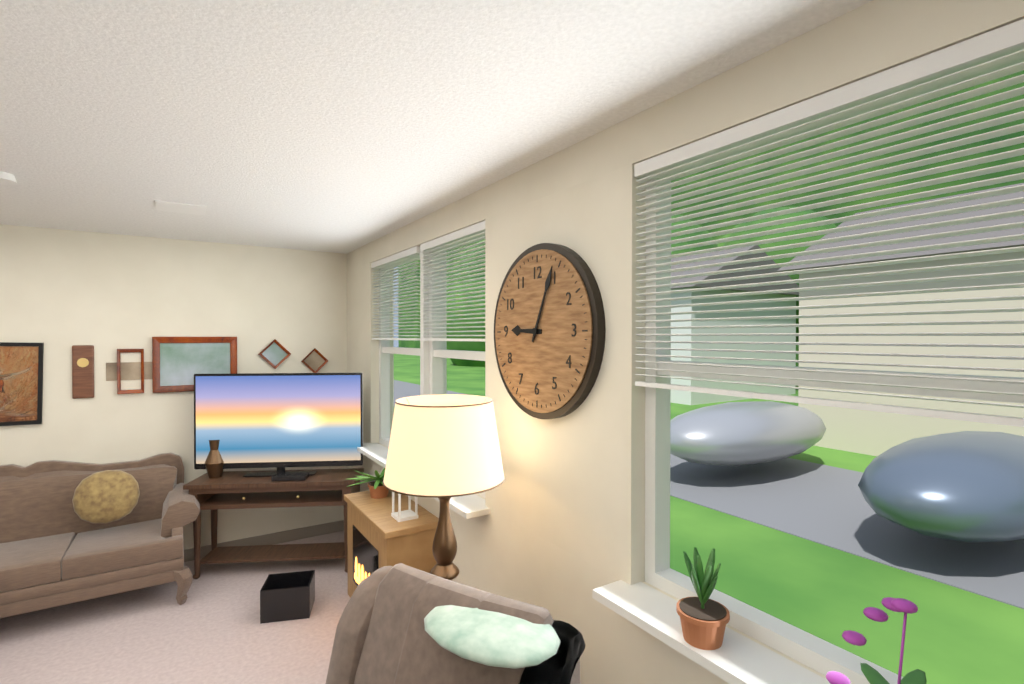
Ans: 9:04
